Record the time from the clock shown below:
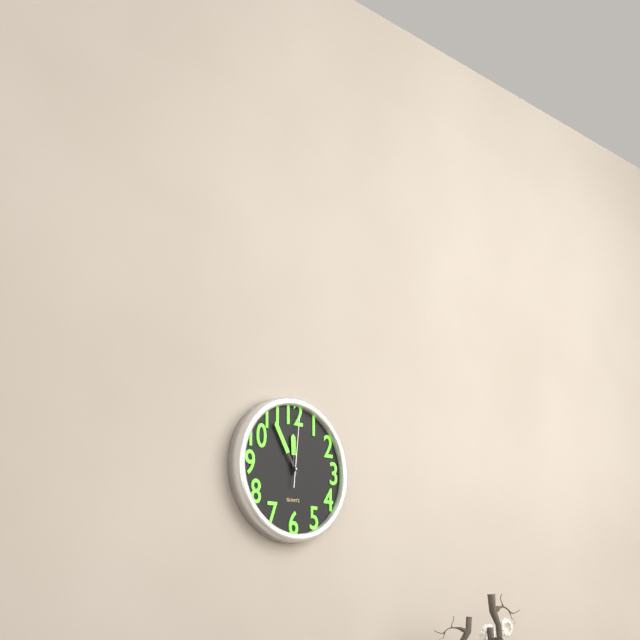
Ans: 11:55:01
